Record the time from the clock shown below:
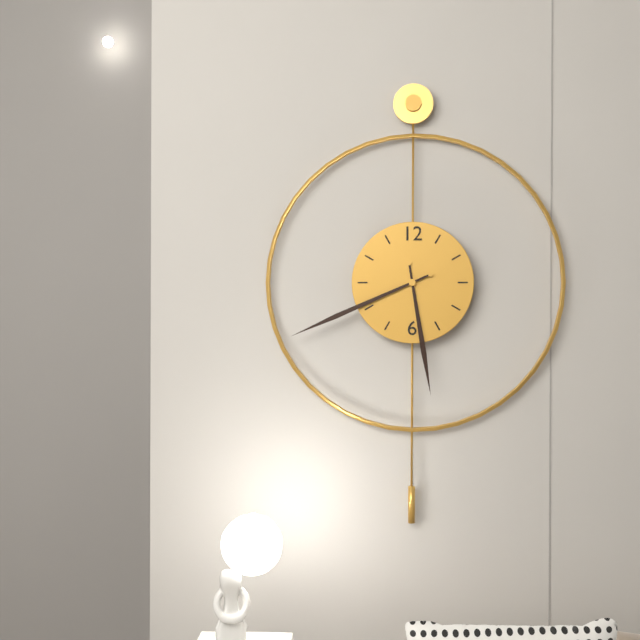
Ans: 5:41
